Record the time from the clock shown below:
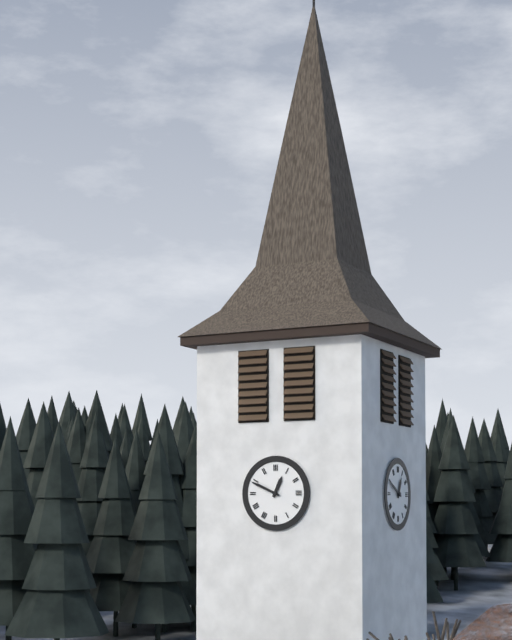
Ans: 12:49
